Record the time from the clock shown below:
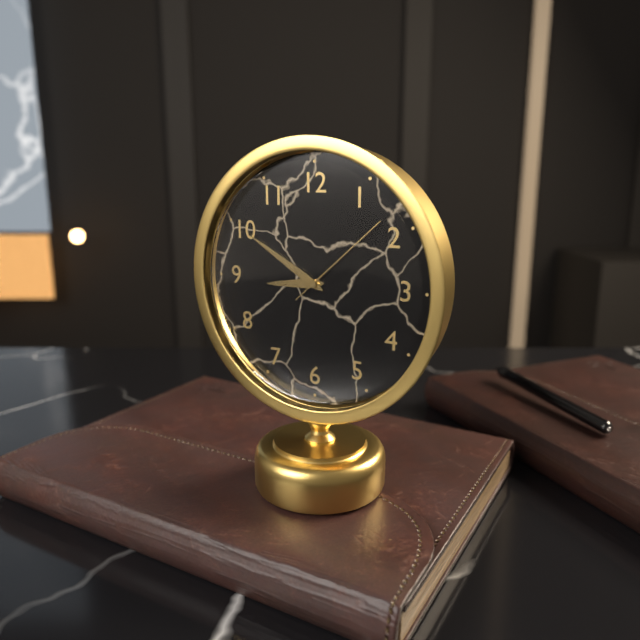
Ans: 8:50:08
